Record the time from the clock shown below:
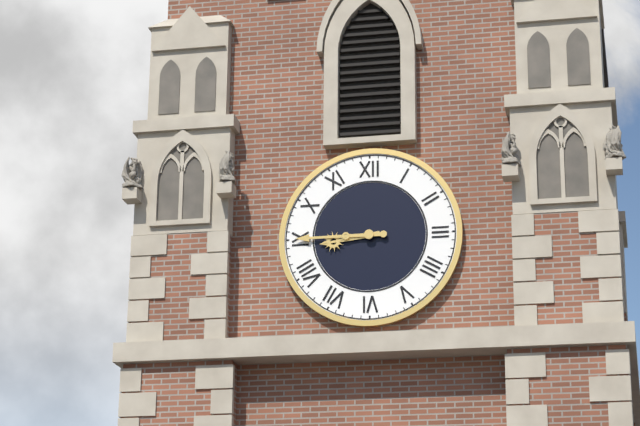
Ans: 8:45
